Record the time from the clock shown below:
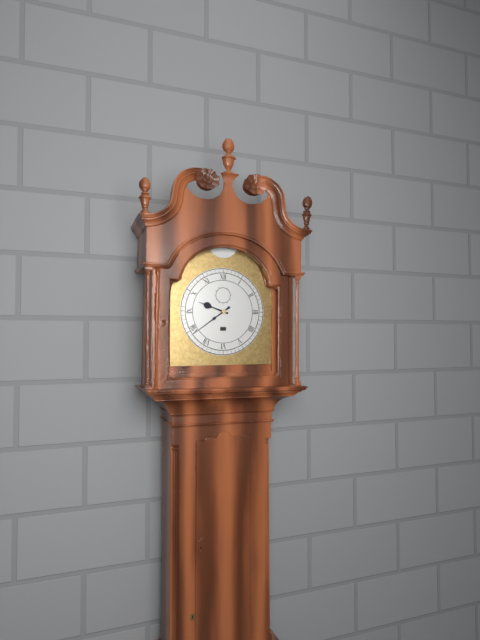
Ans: 9:39
